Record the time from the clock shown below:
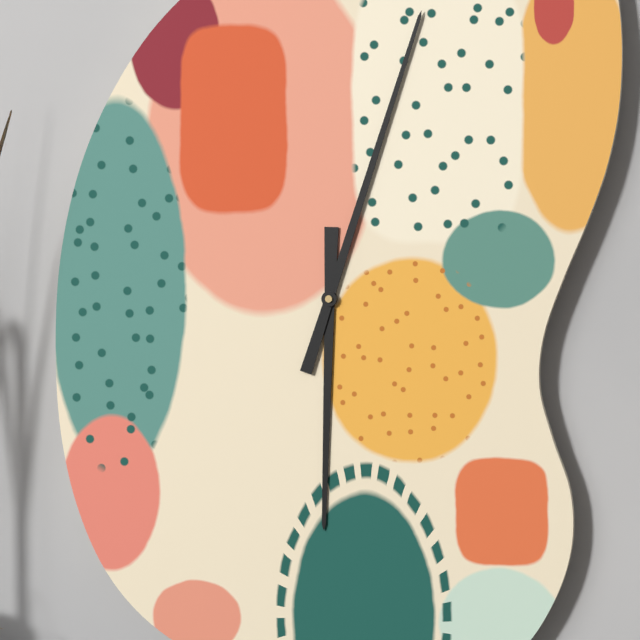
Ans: 6:03
